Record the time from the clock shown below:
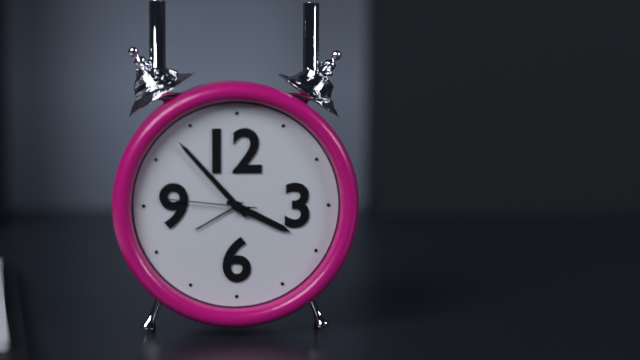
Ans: 3:53:46
